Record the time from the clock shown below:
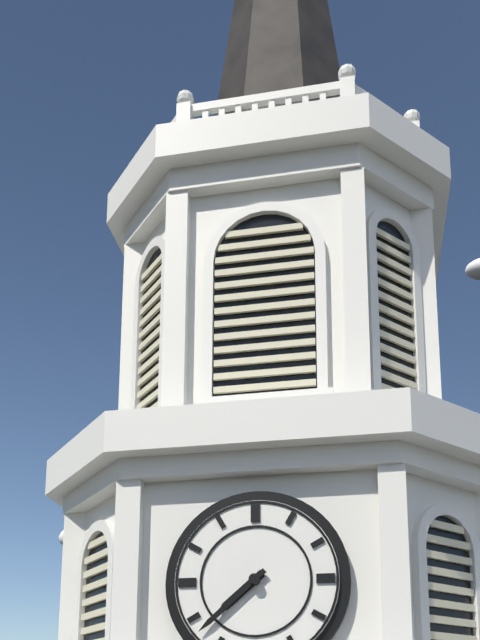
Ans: 7:38
